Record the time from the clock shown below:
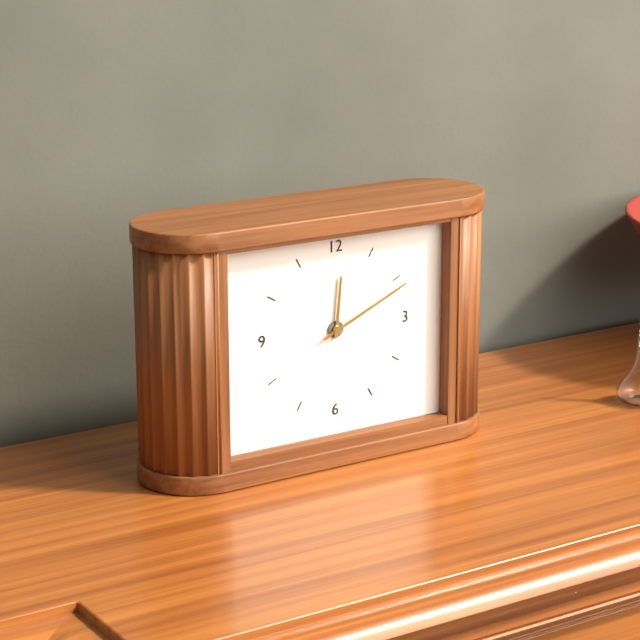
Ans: 12:11
